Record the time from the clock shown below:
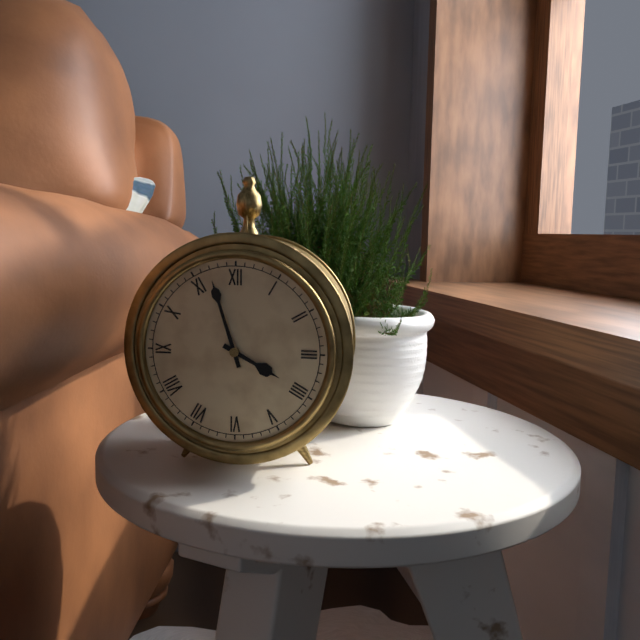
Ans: 3:57
